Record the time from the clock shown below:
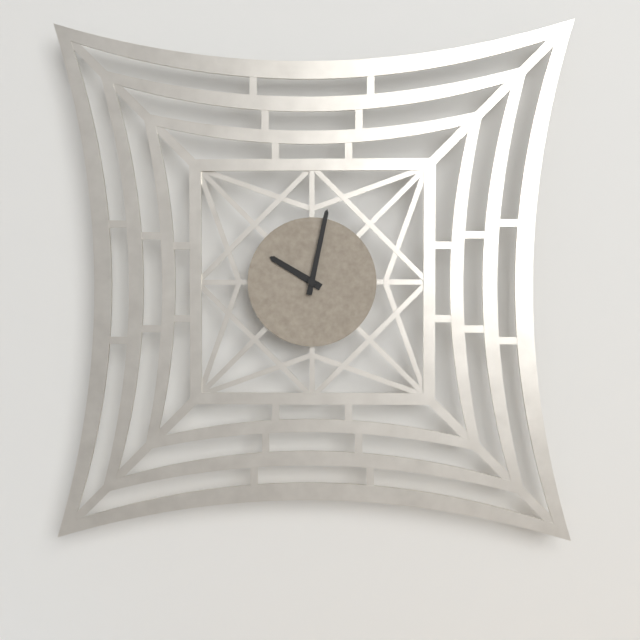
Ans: 10:02
